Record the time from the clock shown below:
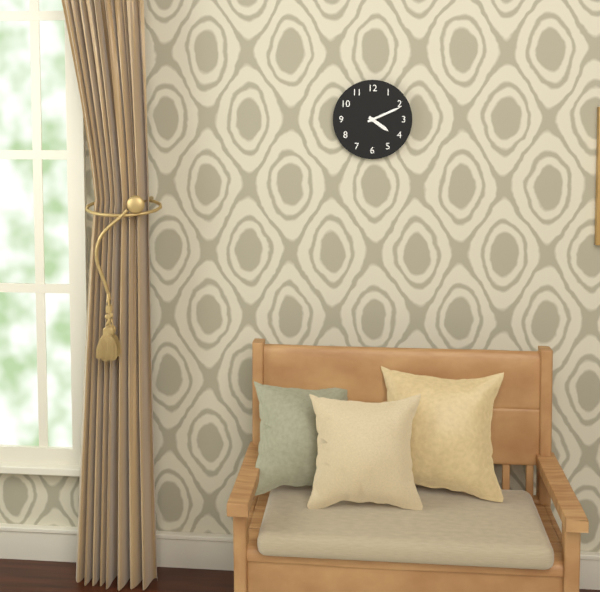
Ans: 4:11
